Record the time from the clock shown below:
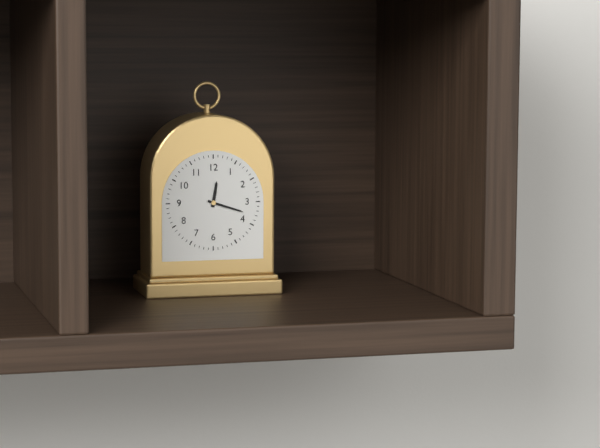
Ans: 12:18
